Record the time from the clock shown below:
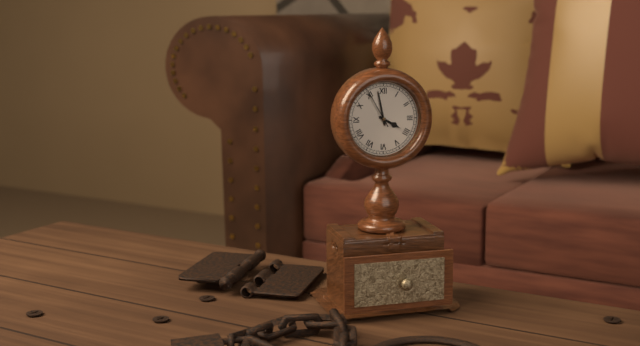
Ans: 3:58
